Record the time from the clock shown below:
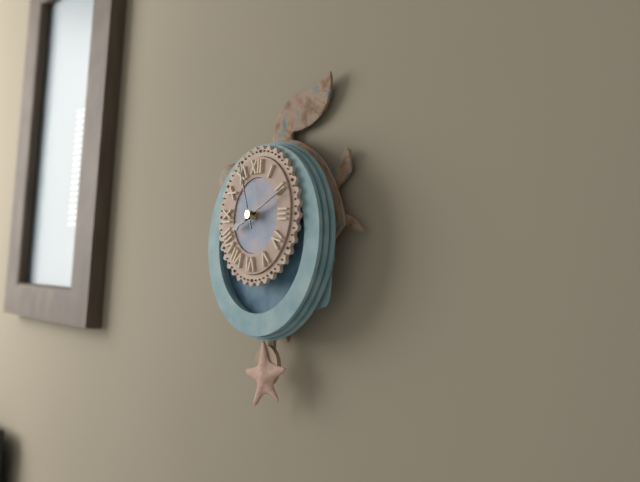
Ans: 8:11:56
